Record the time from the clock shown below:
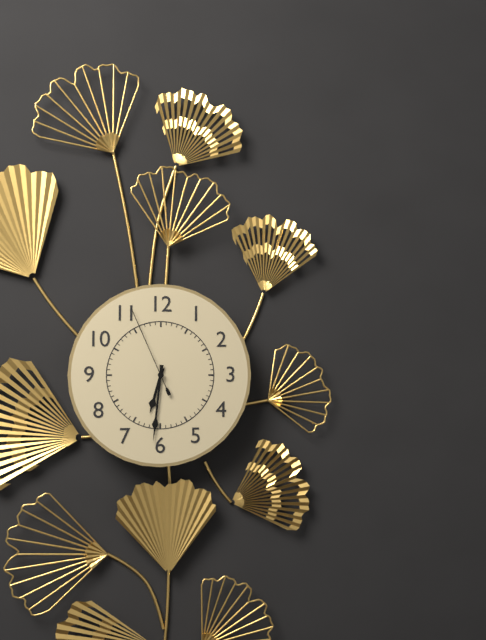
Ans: 6:31:56
